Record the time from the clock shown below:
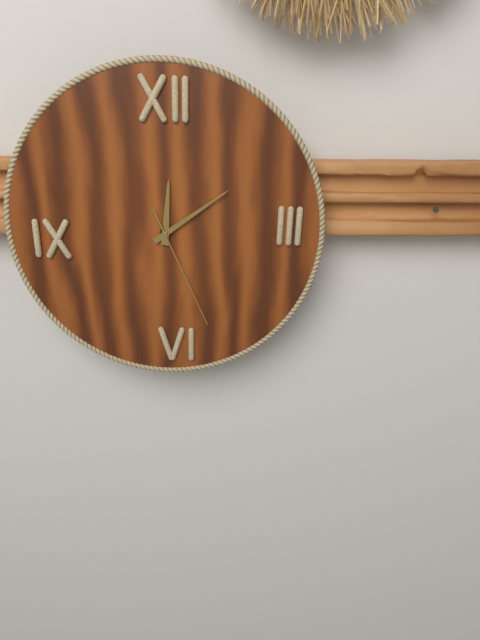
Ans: 12:09:26
